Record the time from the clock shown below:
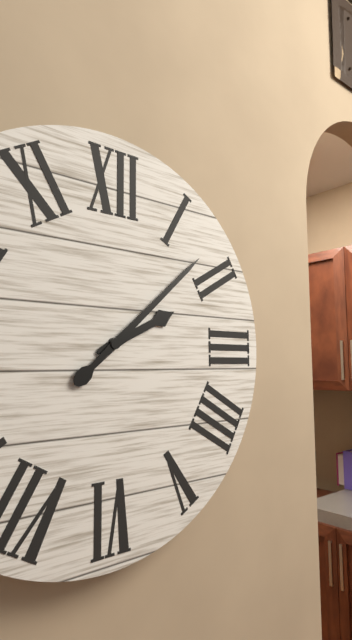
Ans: 2:08
